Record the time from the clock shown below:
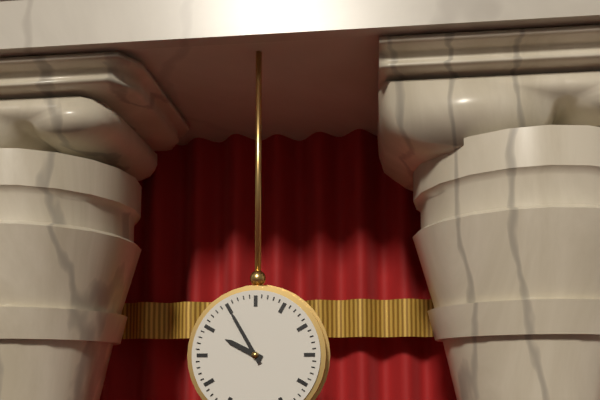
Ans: 9:55
